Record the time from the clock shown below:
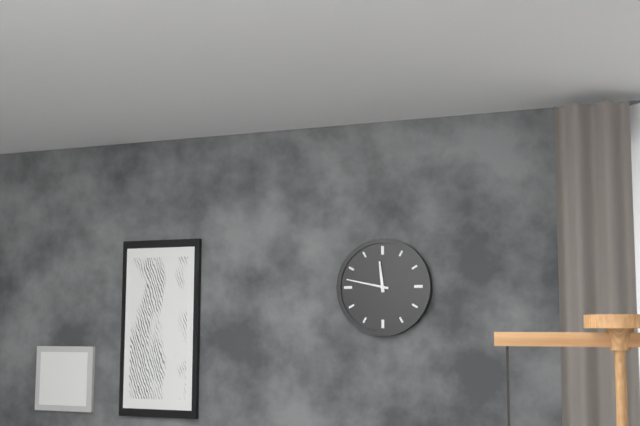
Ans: 11:47
